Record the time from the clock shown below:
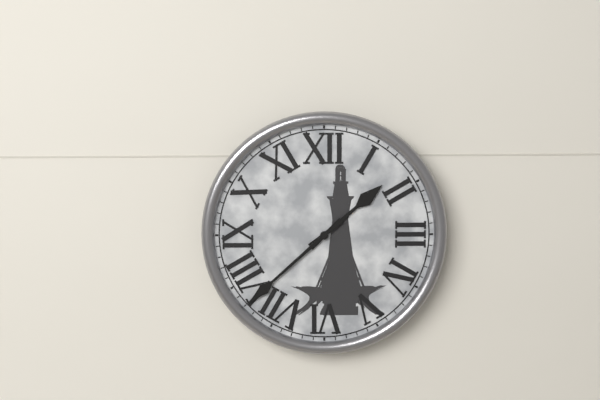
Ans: 1:38
